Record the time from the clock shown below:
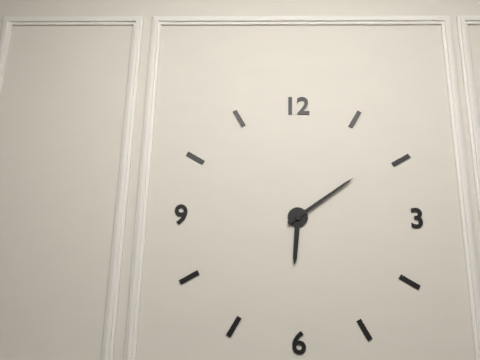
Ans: 6:09
